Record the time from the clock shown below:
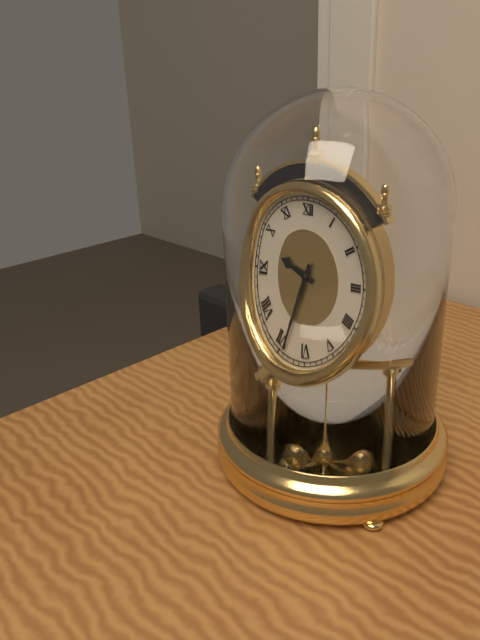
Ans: 9:34
